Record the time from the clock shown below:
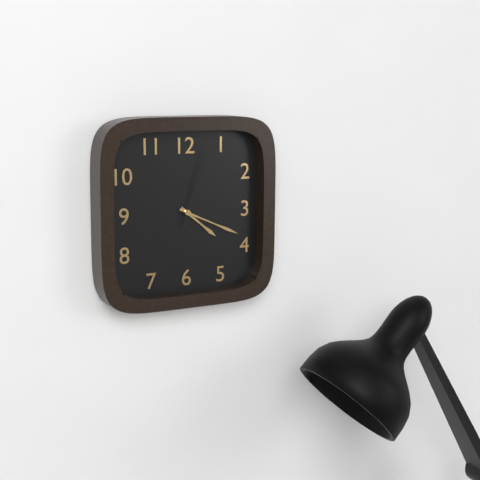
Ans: 4:19:03
